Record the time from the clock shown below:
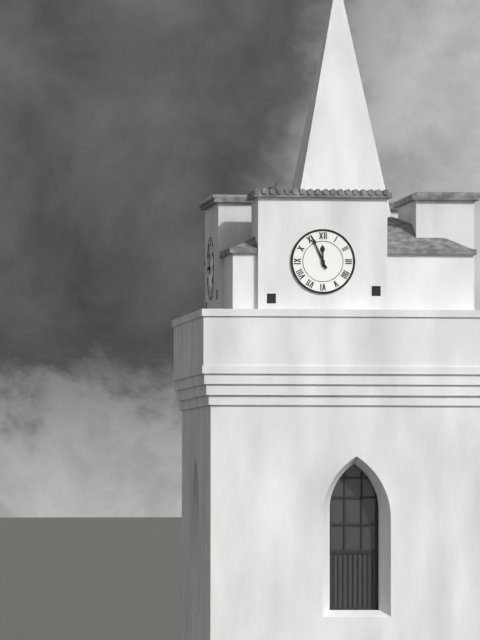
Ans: 11:56
